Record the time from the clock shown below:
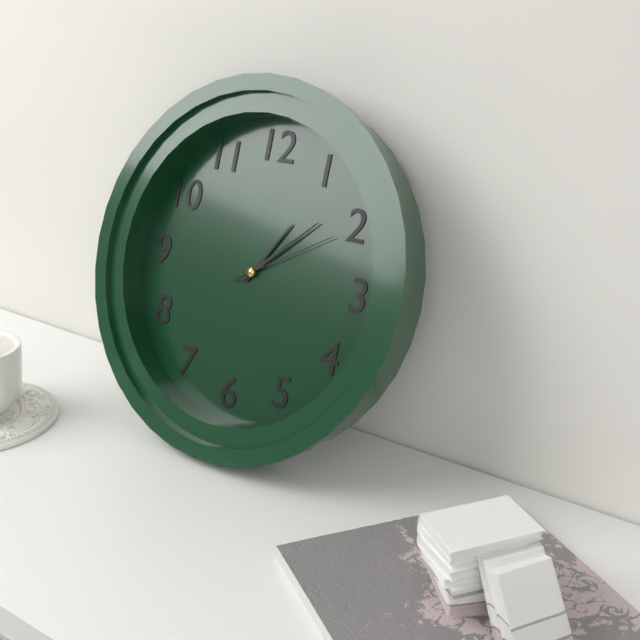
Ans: 1:08:10
